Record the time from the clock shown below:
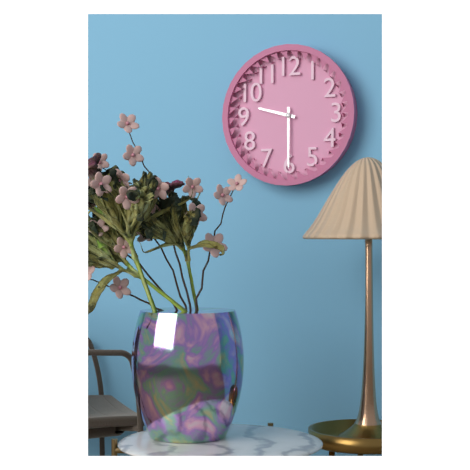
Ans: 9:30
